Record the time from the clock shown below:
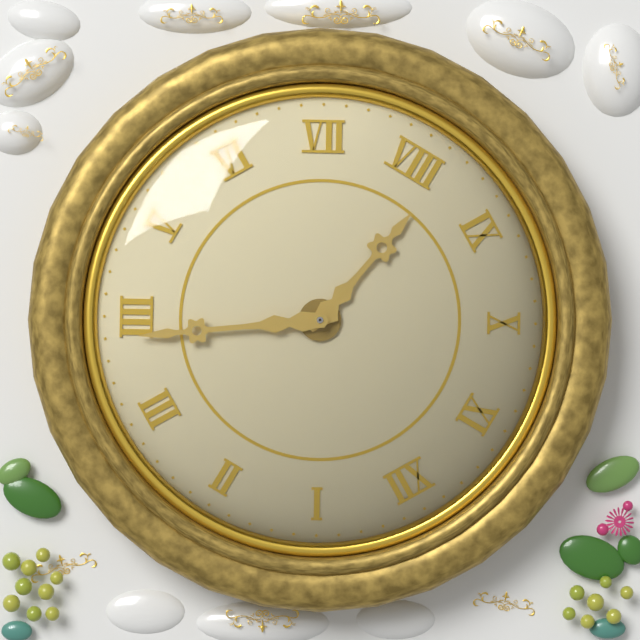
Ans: 8:19
